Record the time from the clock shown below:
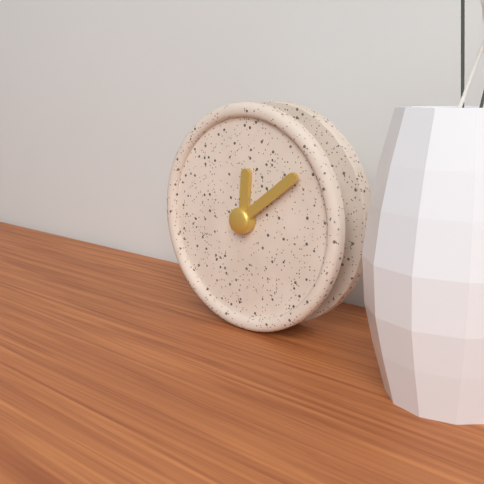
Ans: 12:09
